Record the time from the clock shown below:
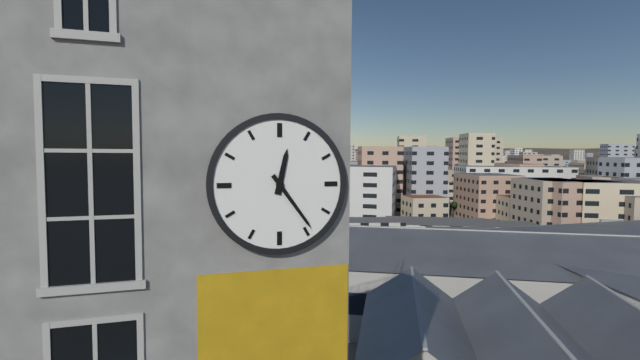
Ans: 12:24
